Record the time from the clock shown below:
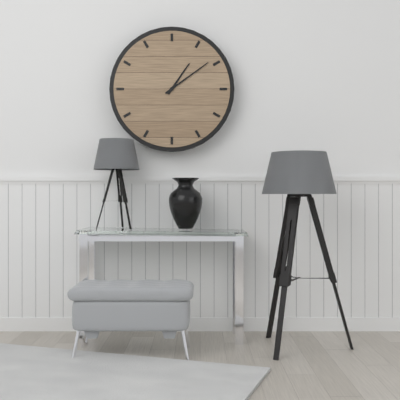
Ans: 1:09
